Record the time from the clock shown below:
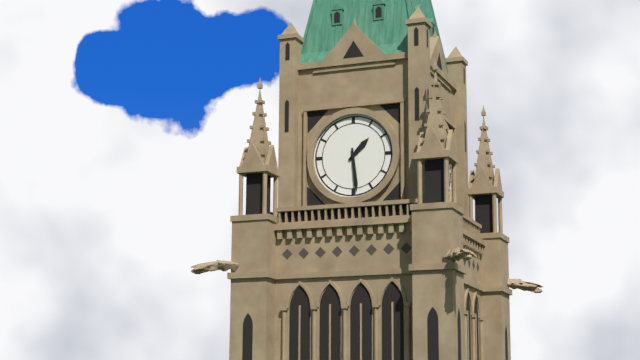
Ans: 1:29
